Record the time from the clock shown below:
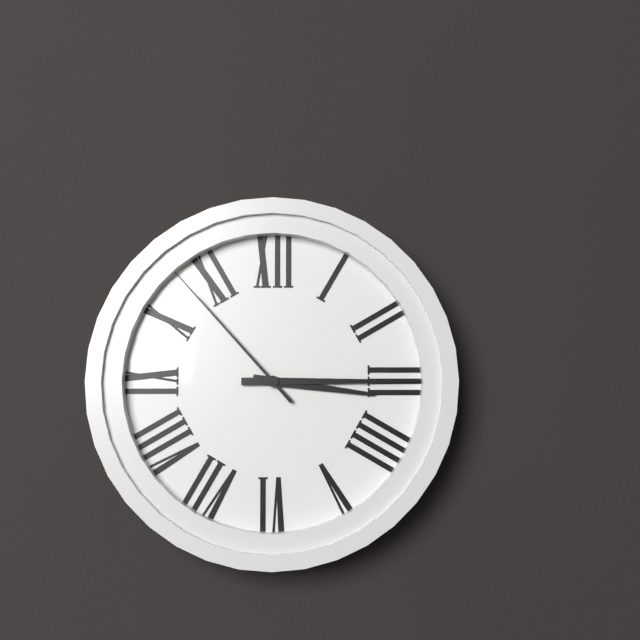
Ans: 3:15:53
